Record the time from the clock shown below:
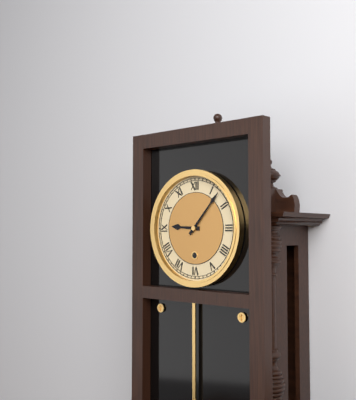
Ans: 9:07
